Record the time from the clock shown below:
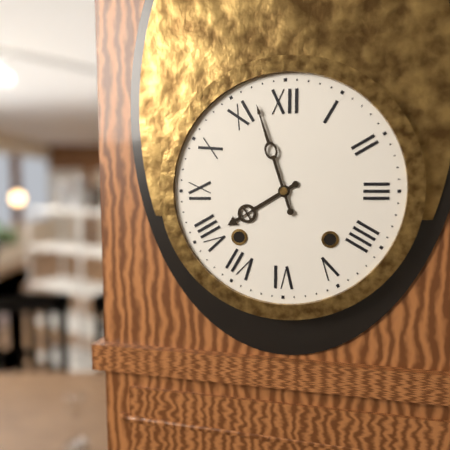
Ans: 7:57
